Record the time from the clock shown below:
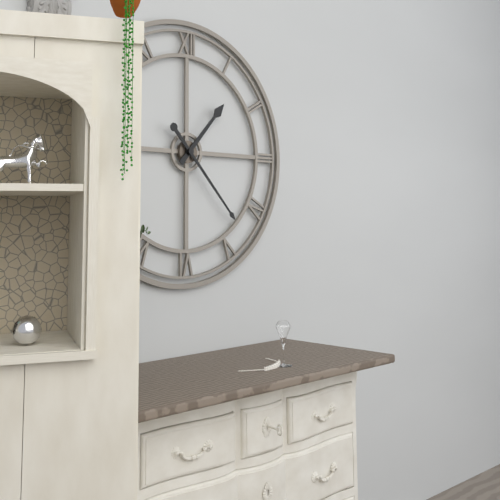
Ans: 1:23
